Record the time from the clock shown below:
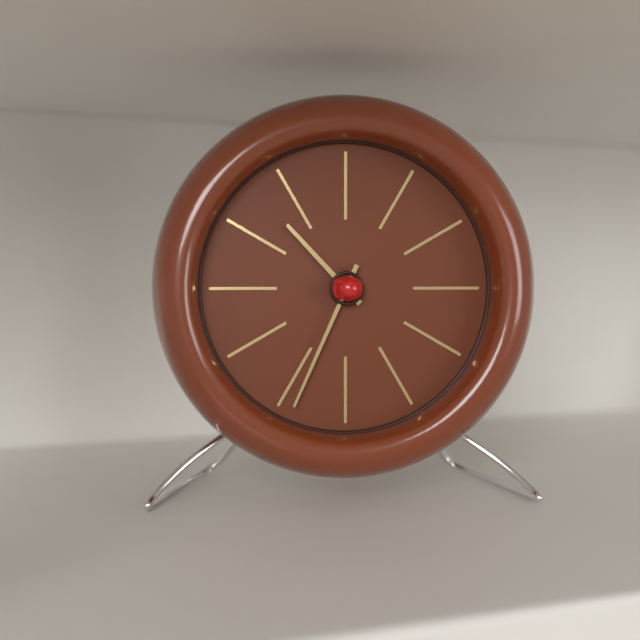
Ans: 10:34
